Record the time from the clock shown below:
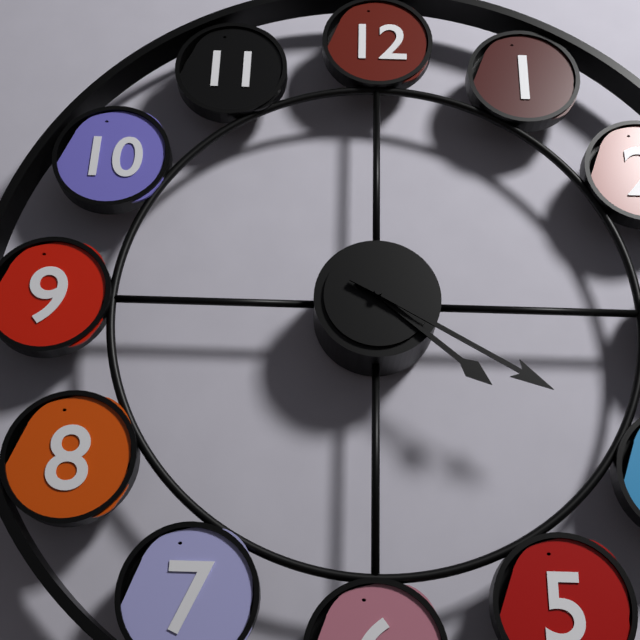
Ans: 4:20
